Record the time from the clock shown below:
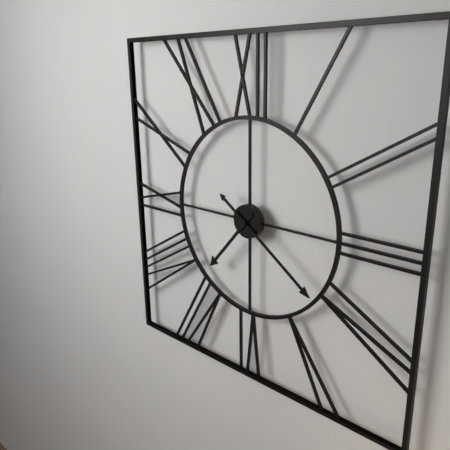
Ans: 7:21
